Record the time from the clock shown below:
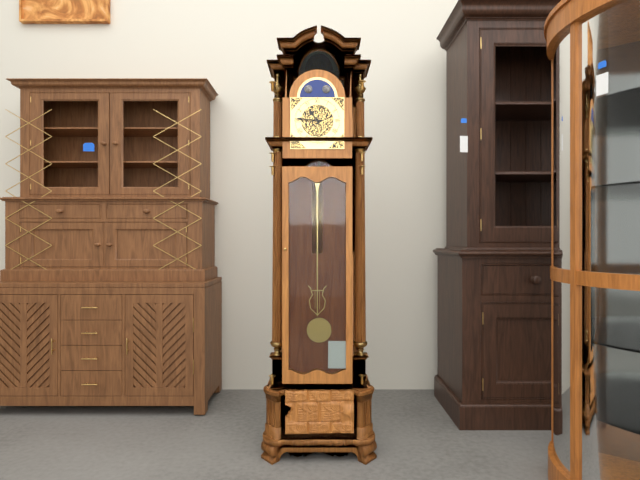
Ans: 10:46
